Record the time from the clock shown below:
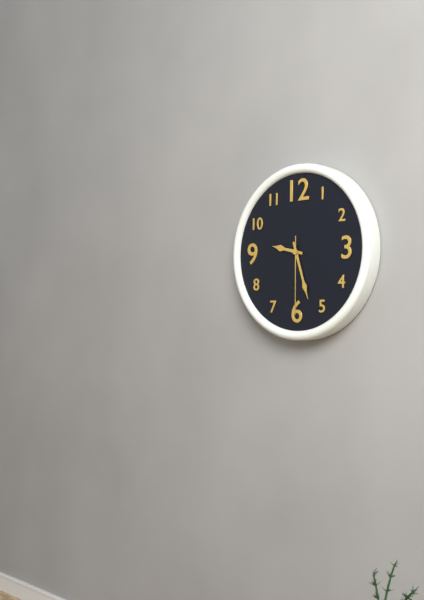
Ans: 9:27:30
